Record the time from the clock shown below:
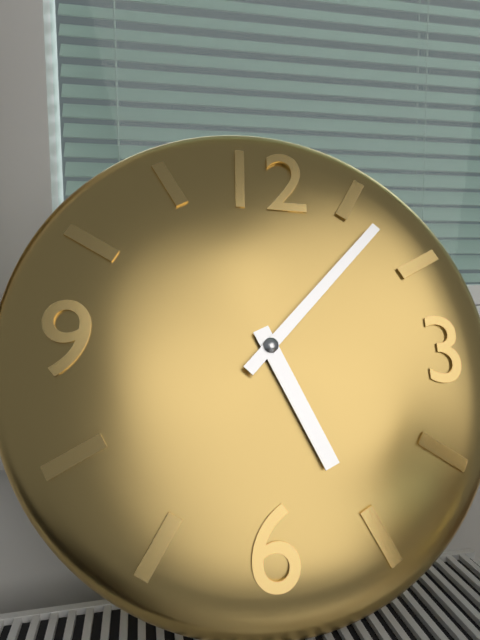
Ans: 5:07
